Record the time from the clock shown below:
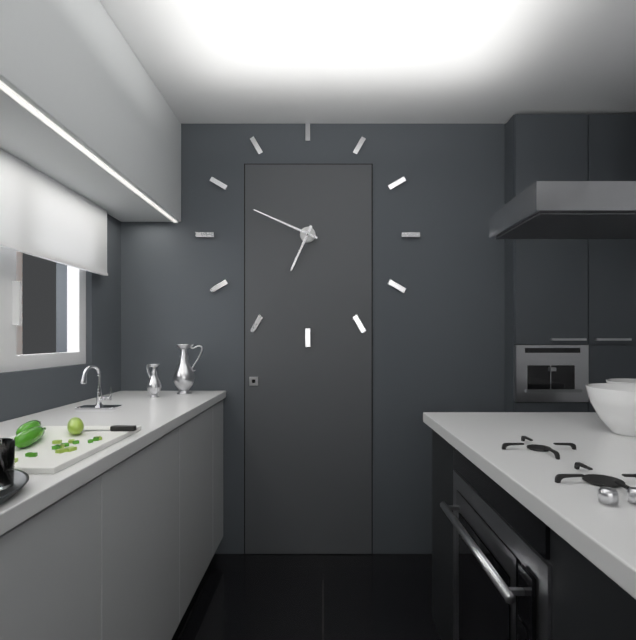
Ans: 6:49
